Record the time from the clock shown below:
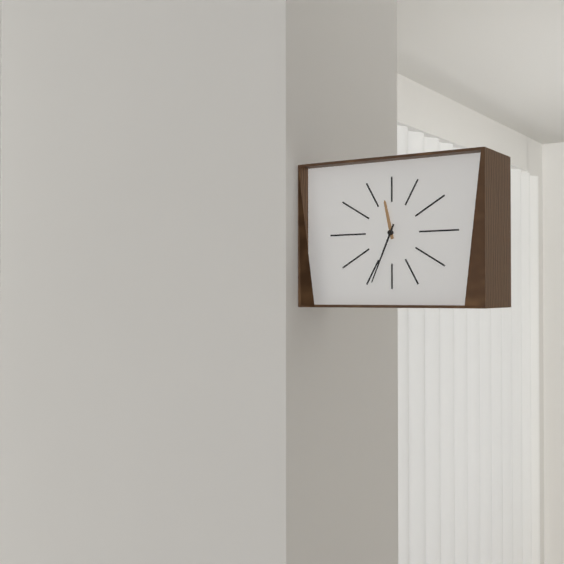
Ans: 11:34
